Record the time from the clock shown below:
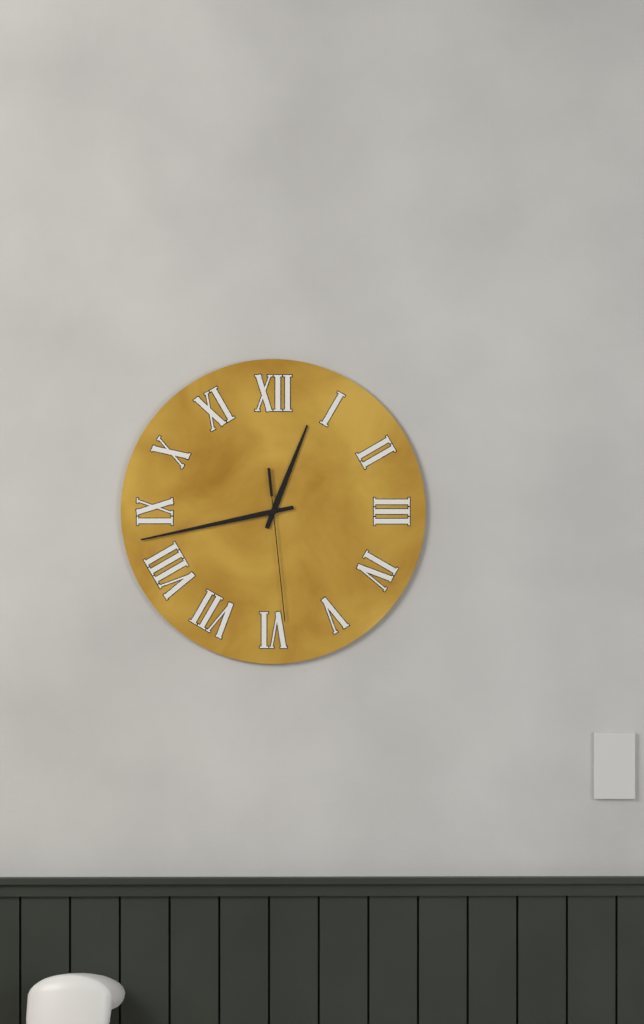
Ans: 12:43:29
